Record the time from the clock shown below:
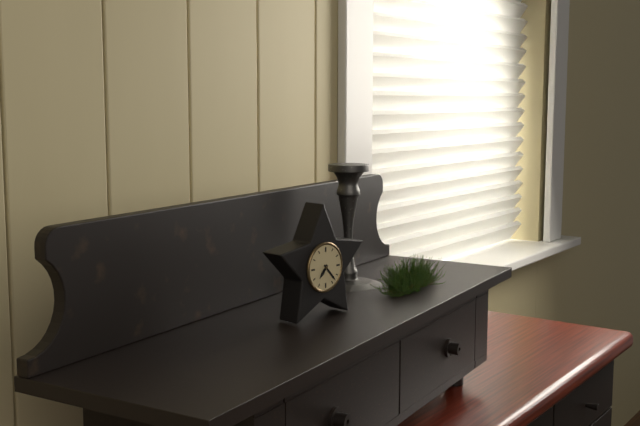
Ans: 7:23
